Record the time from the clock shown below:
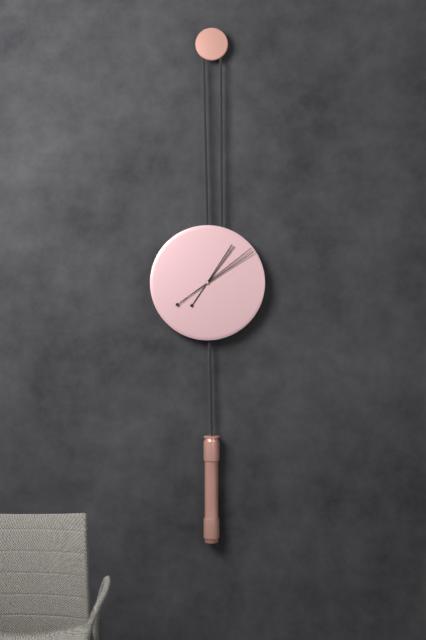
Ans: 1:09
